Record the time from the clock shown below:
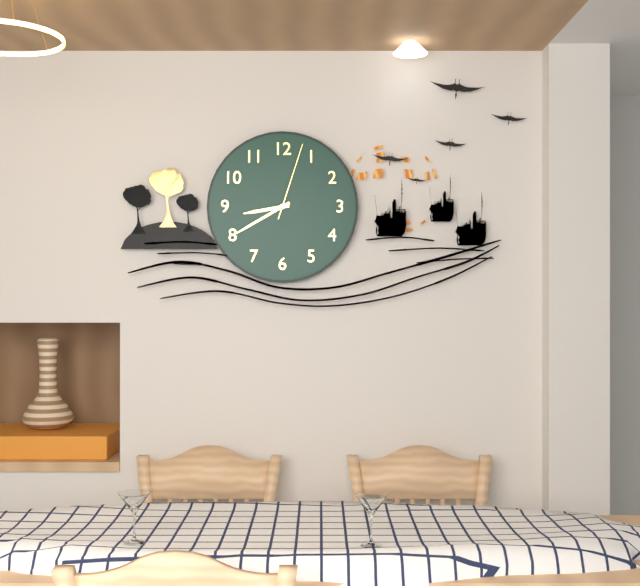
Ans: 8:40:03
